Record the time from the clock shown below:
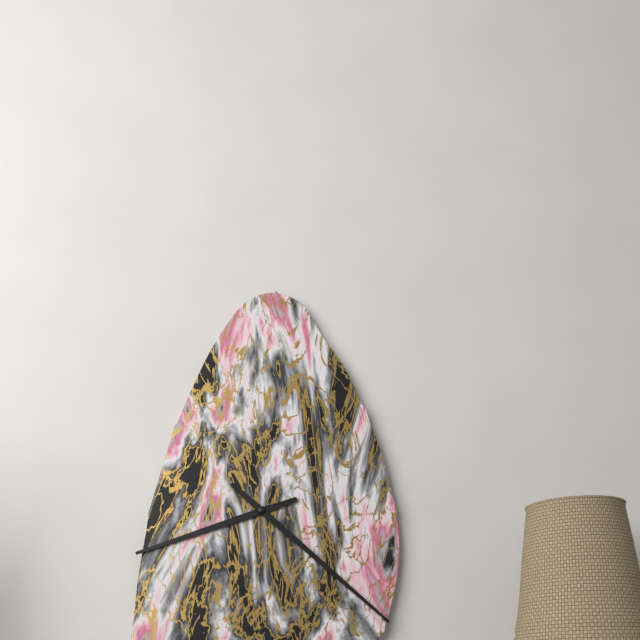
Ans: 8:22
